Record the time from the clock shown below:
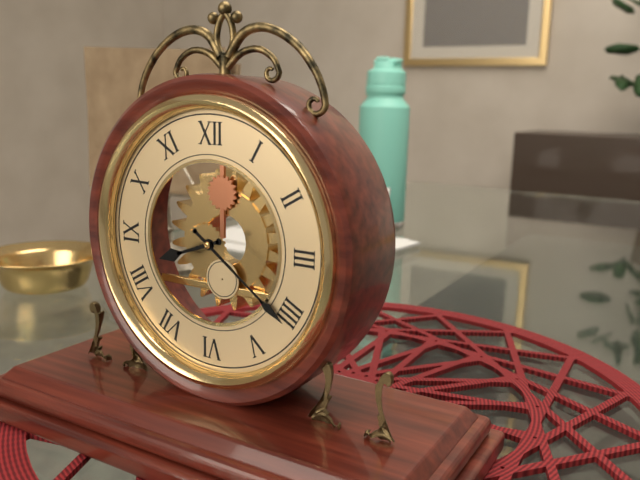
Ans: 8:21
